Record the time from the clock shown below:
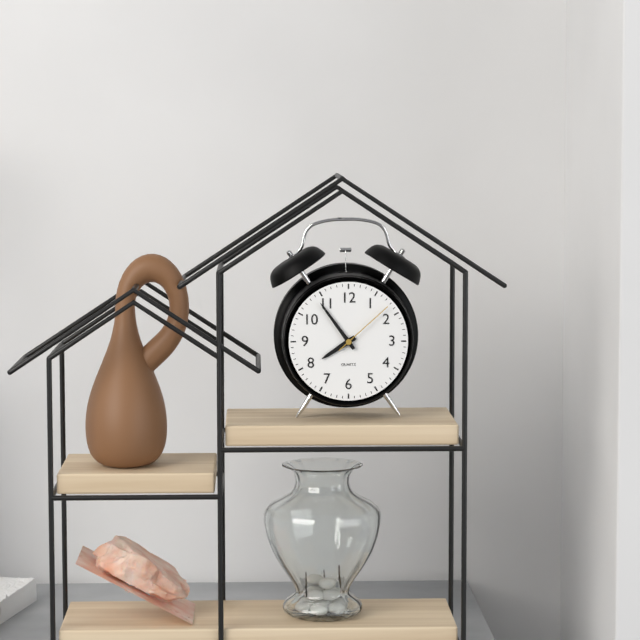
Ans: 7:54:08
